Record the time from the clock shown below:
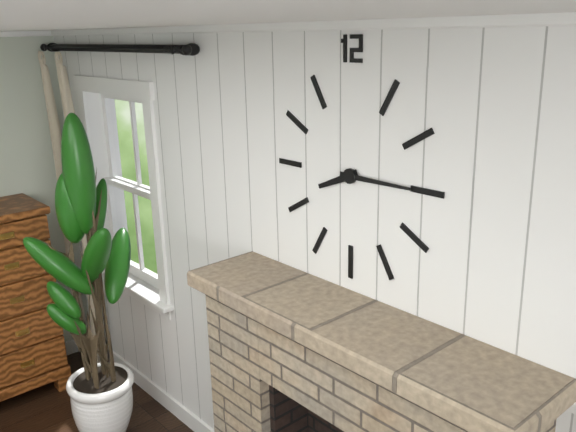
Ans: 8:15
